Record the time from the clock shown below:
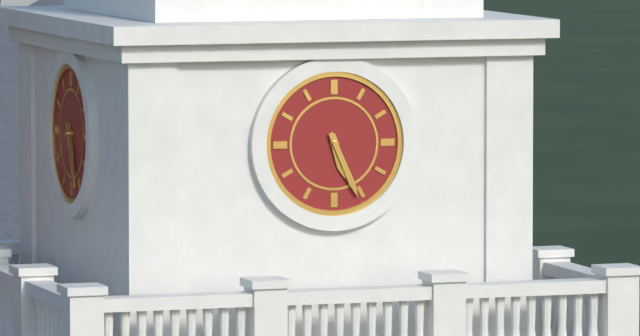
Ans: 5:26
